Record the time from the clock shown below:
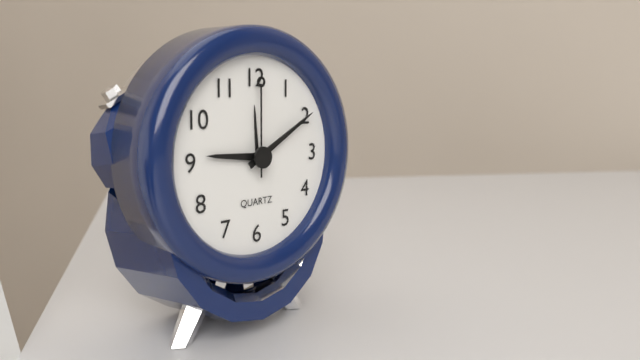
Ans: 9:10:00
